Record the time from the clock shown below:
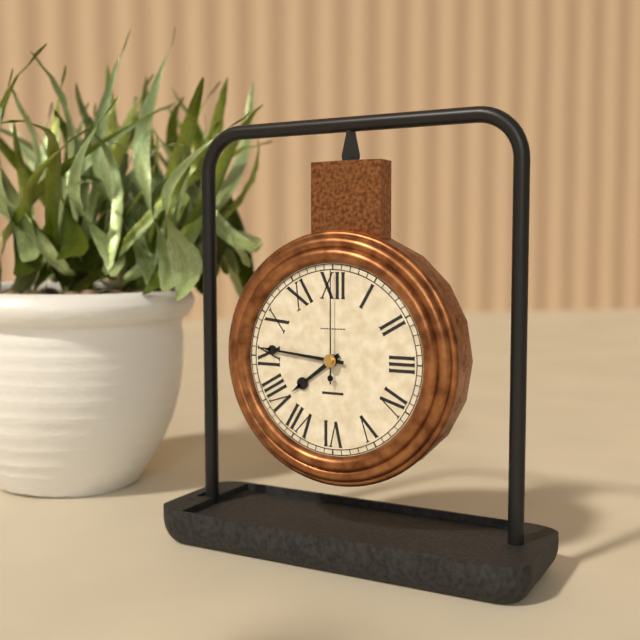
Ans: 7:46:00
